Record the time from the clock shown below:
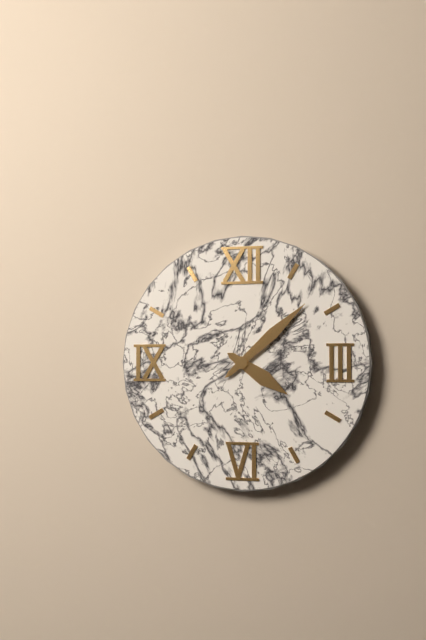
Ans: 4:08
